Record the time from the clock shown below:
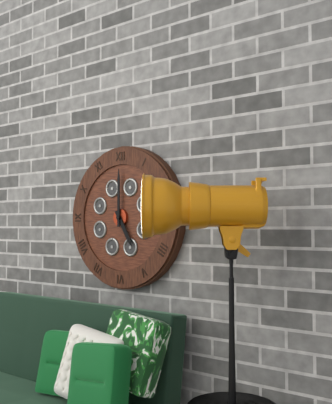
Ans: 5:00
